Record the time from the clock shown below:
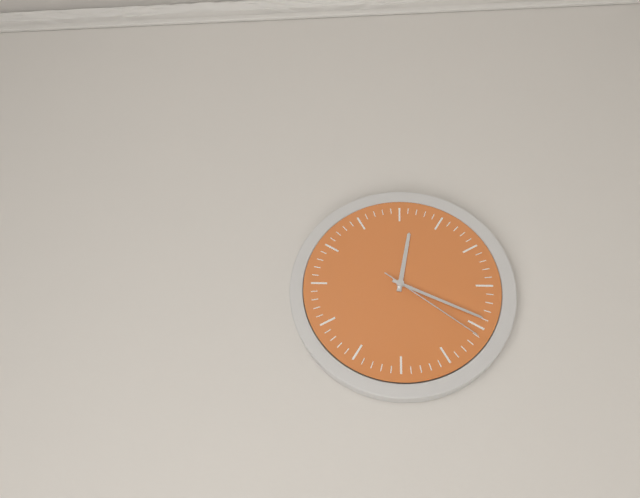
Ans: 12:19:21
